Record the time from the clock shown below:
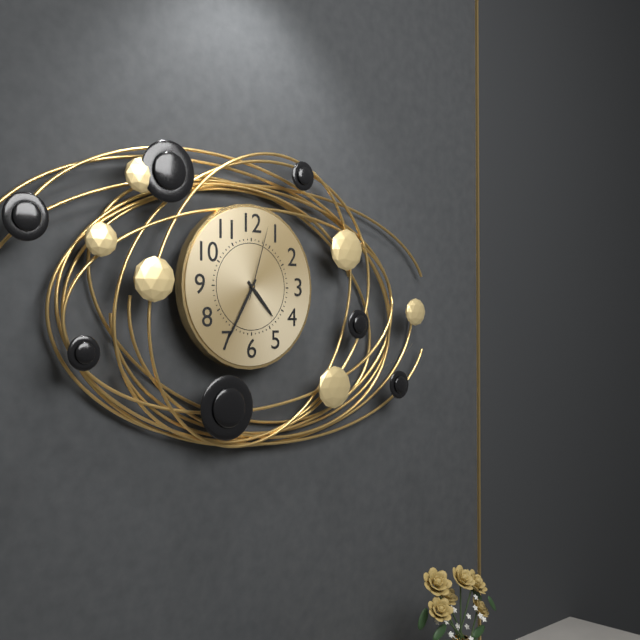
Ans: 4:35:03
